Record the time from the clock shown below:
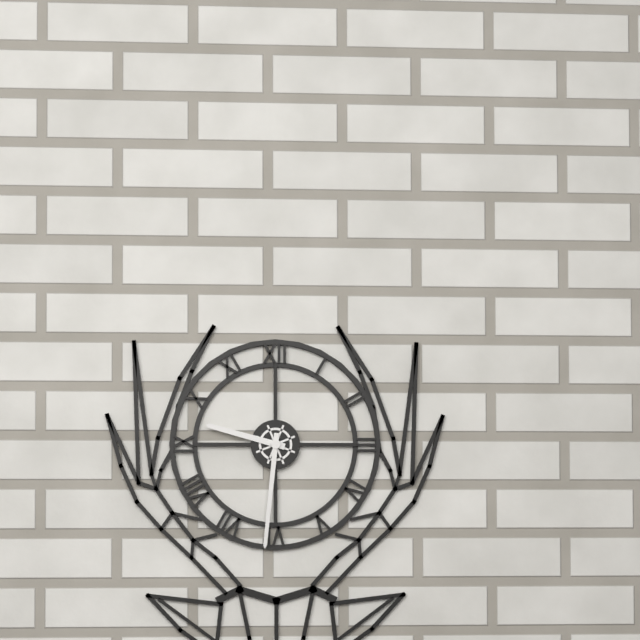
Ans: 9:31
